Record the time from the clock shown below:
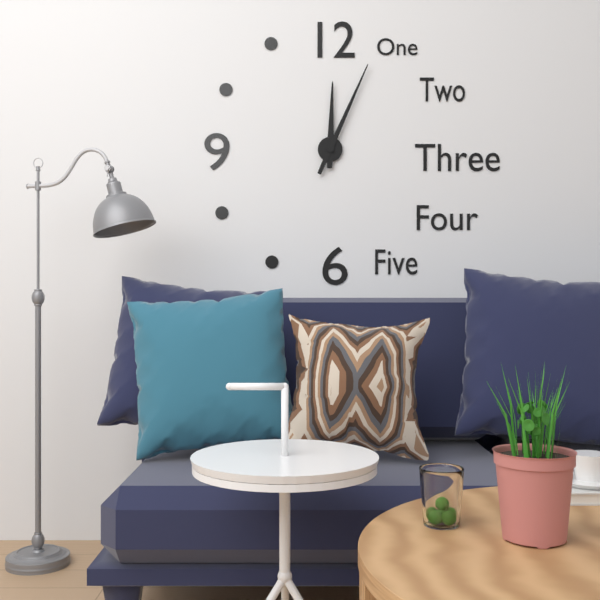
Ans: 12:04
